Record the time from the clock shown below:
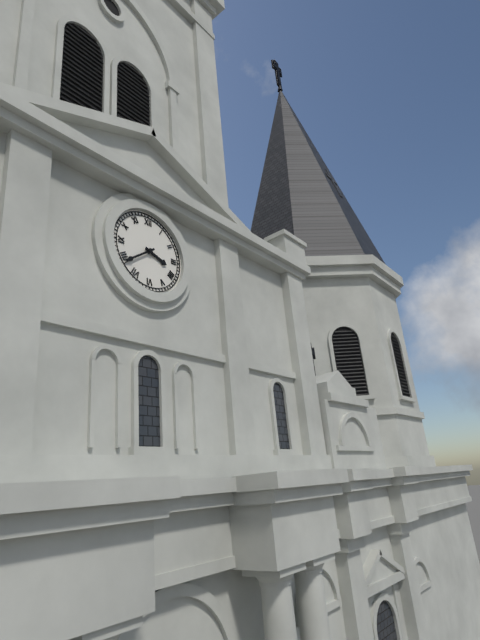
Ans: 3:39
